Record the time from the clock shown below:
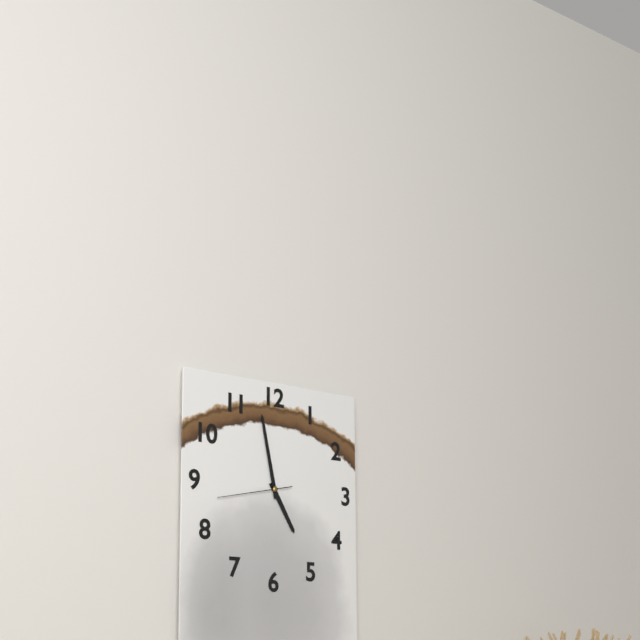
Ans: 4:58:43
